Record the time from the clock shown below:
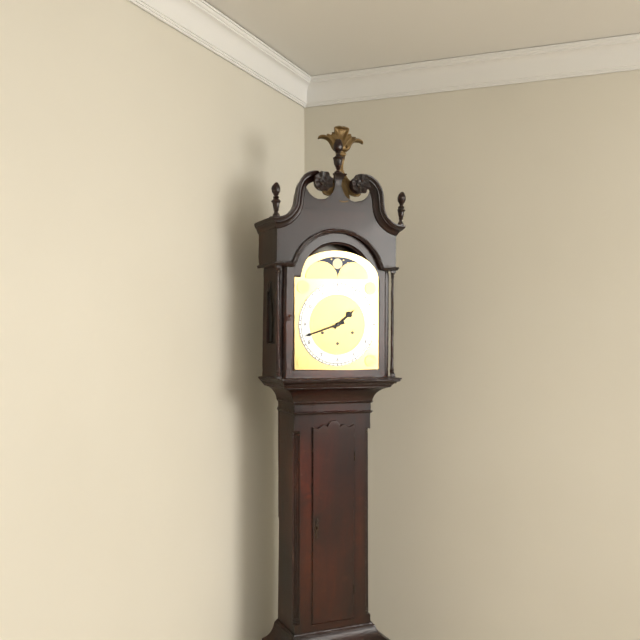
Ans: 1:42
